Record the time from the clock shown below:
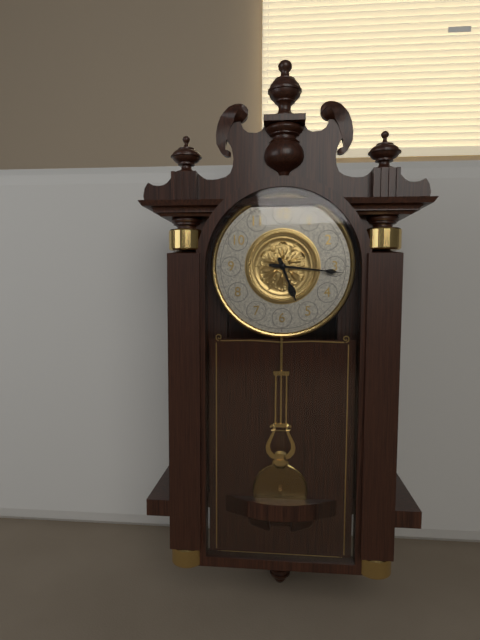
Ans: 5:16
